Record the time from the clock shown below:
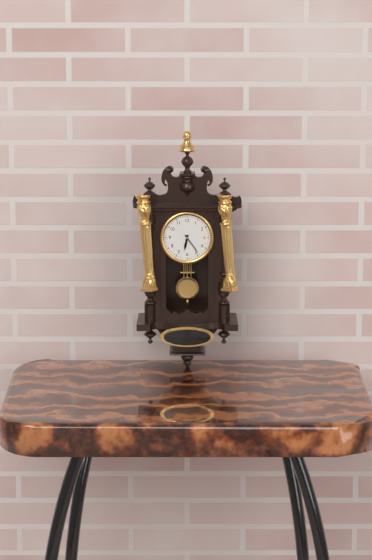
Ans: 6:24
